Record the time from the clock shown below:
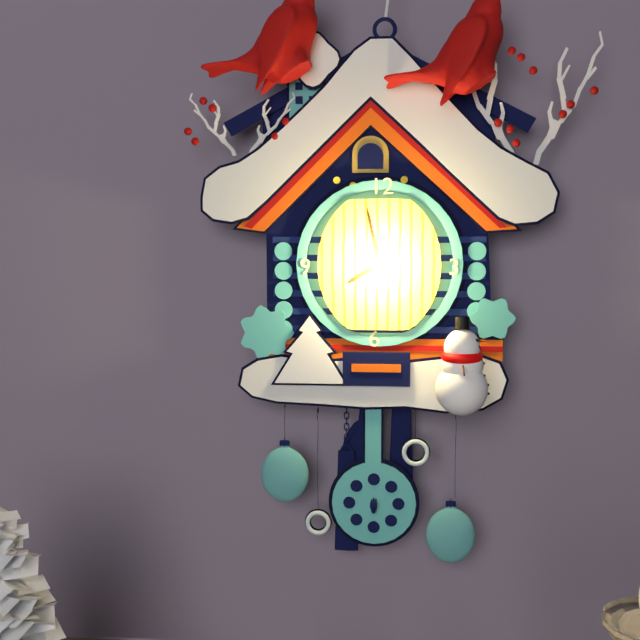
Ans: 7:58
